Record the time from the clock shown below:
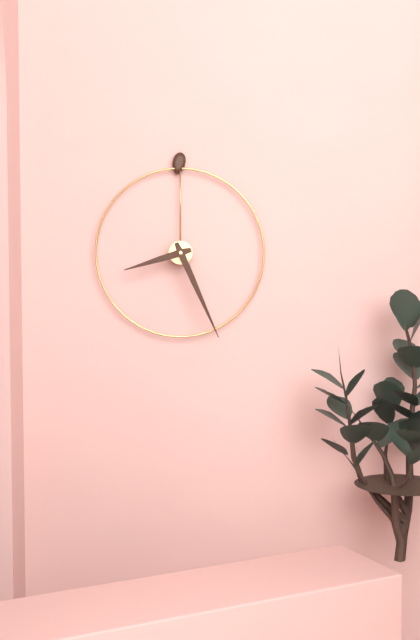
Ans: 8:26
